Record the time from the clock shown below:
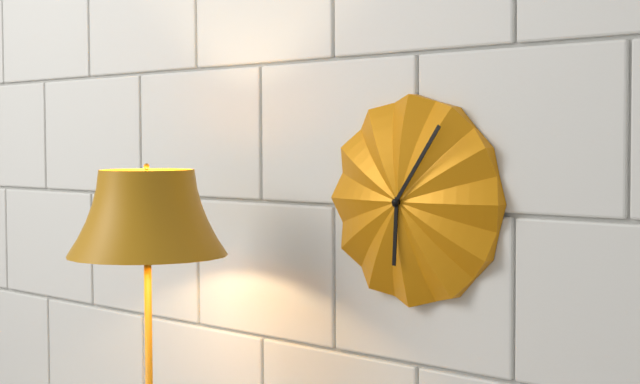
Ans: 6:06
